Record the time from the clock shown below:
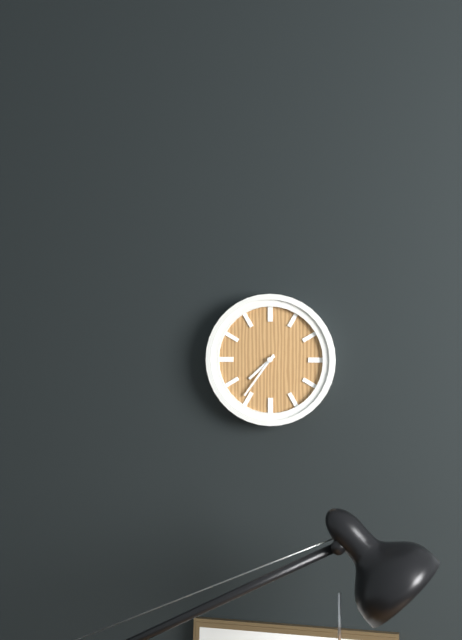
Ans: 7:36
